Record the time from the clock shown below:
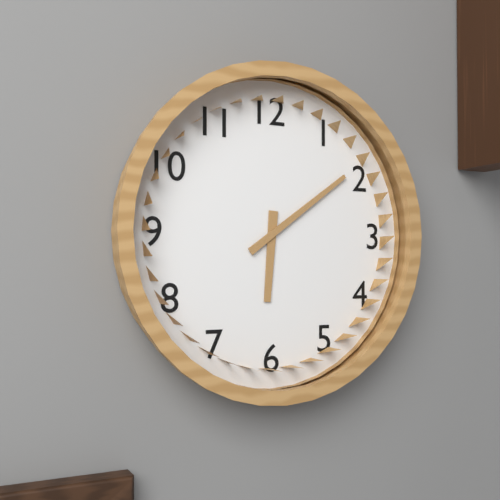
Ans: 6:09
